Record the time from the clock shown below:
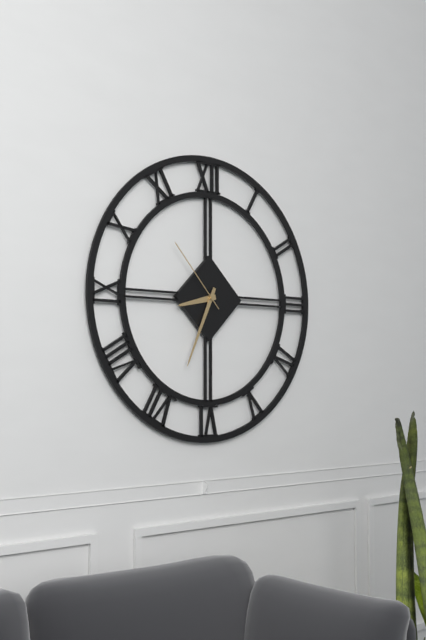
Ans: 8:34:53
